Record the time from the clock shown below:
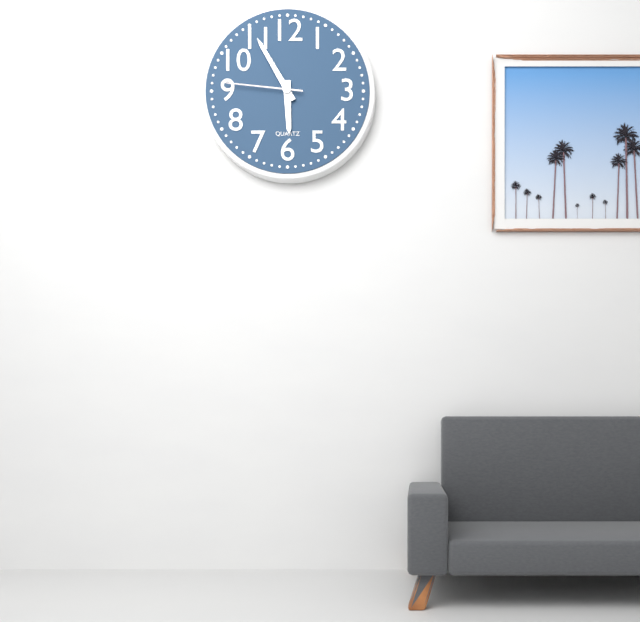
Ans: 5:55:46
